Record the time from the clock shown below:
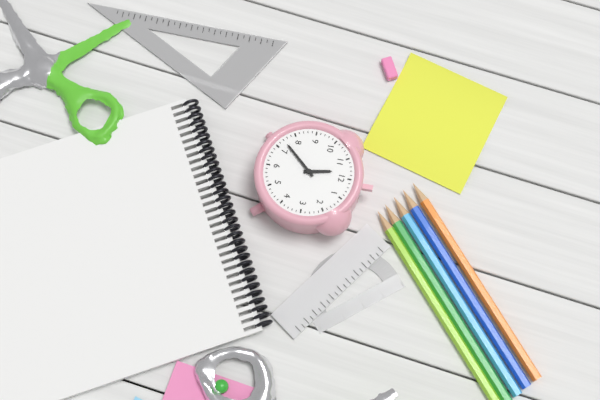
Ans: 11:37
